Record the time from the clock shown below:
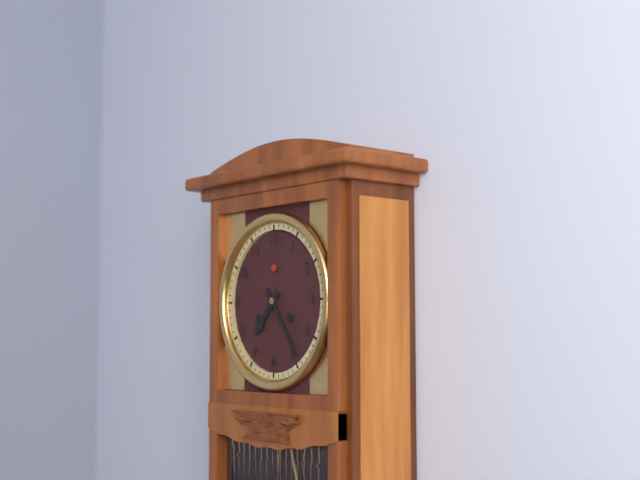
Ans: 7:24
